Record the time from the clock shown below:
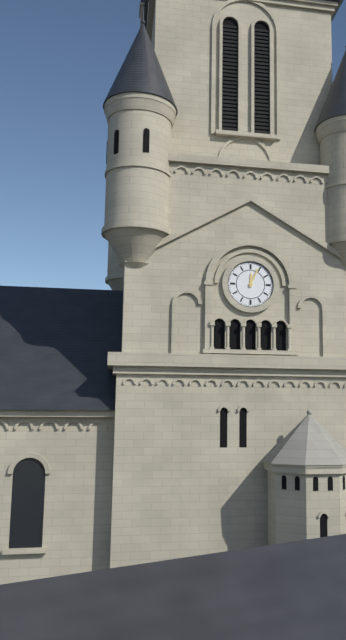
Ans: 12:04
